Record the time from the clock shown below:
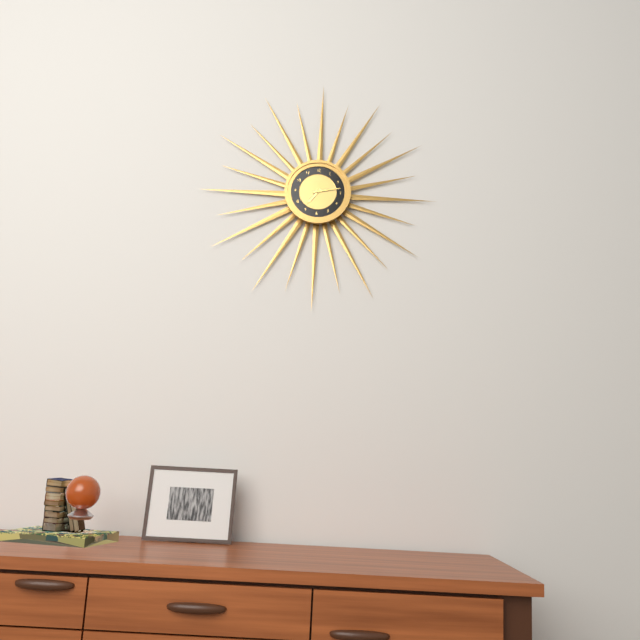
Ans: 7:13
